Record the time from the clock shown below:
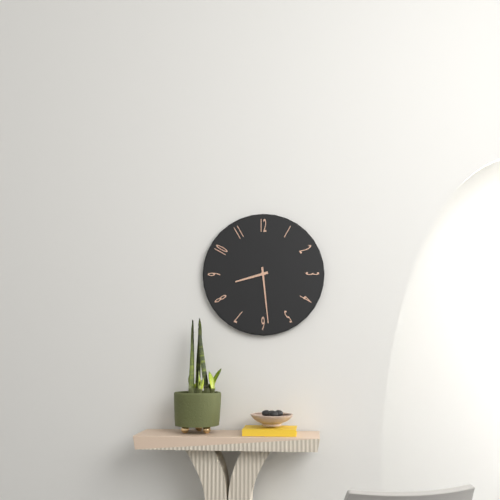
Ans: 8:29
